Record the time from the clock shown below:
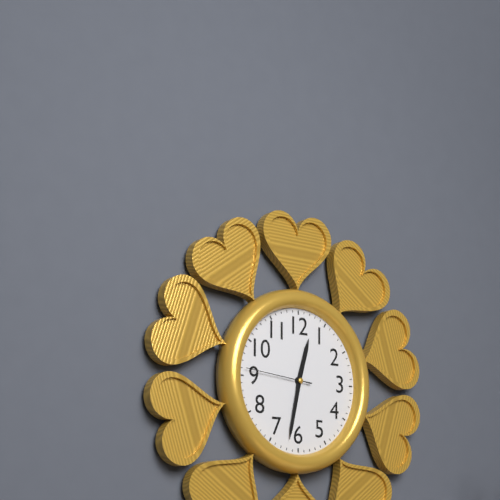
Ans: 12:32:46
